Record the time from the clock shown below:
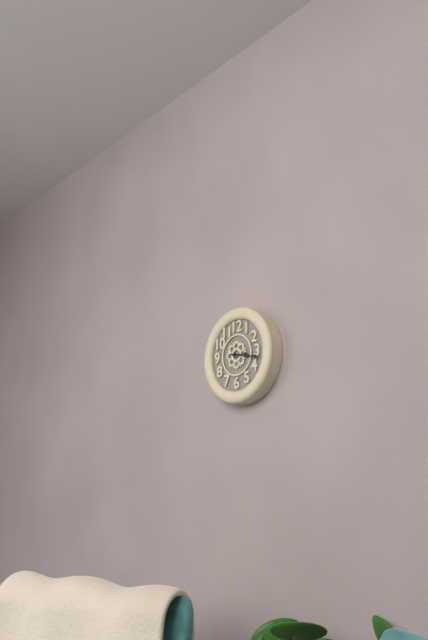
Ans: 3:17
